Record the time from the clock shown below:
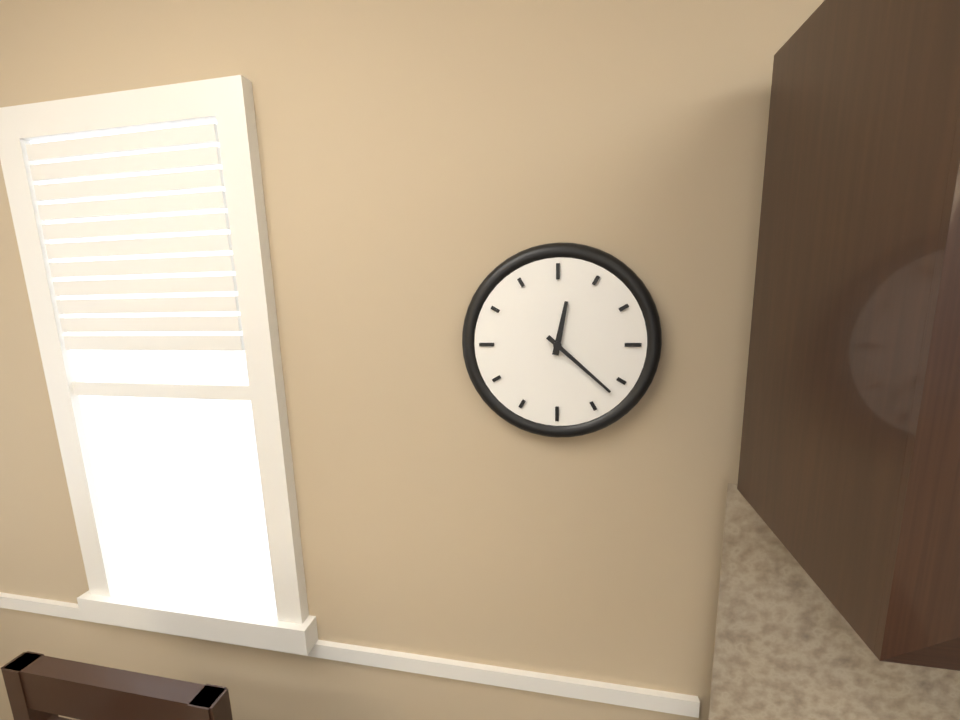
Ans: 12:22
